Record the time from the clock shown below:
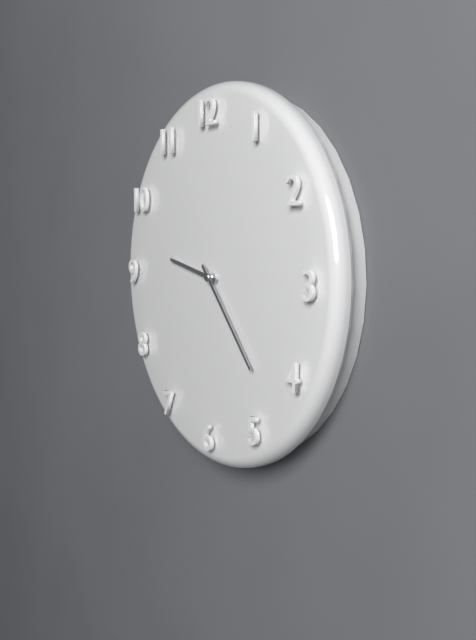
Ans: 9:23
